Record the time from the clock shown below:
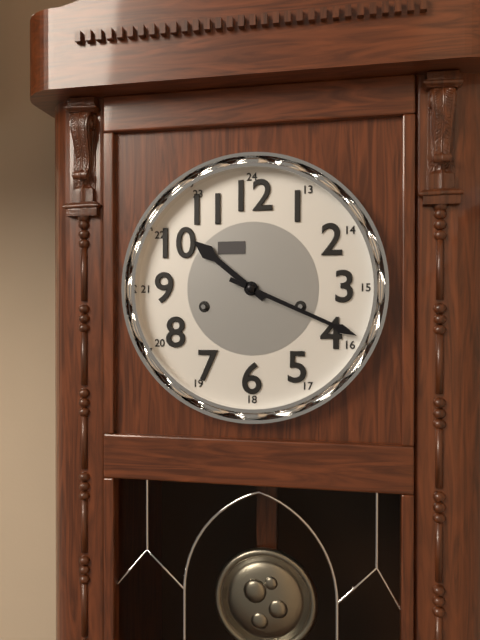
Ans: 10:19
